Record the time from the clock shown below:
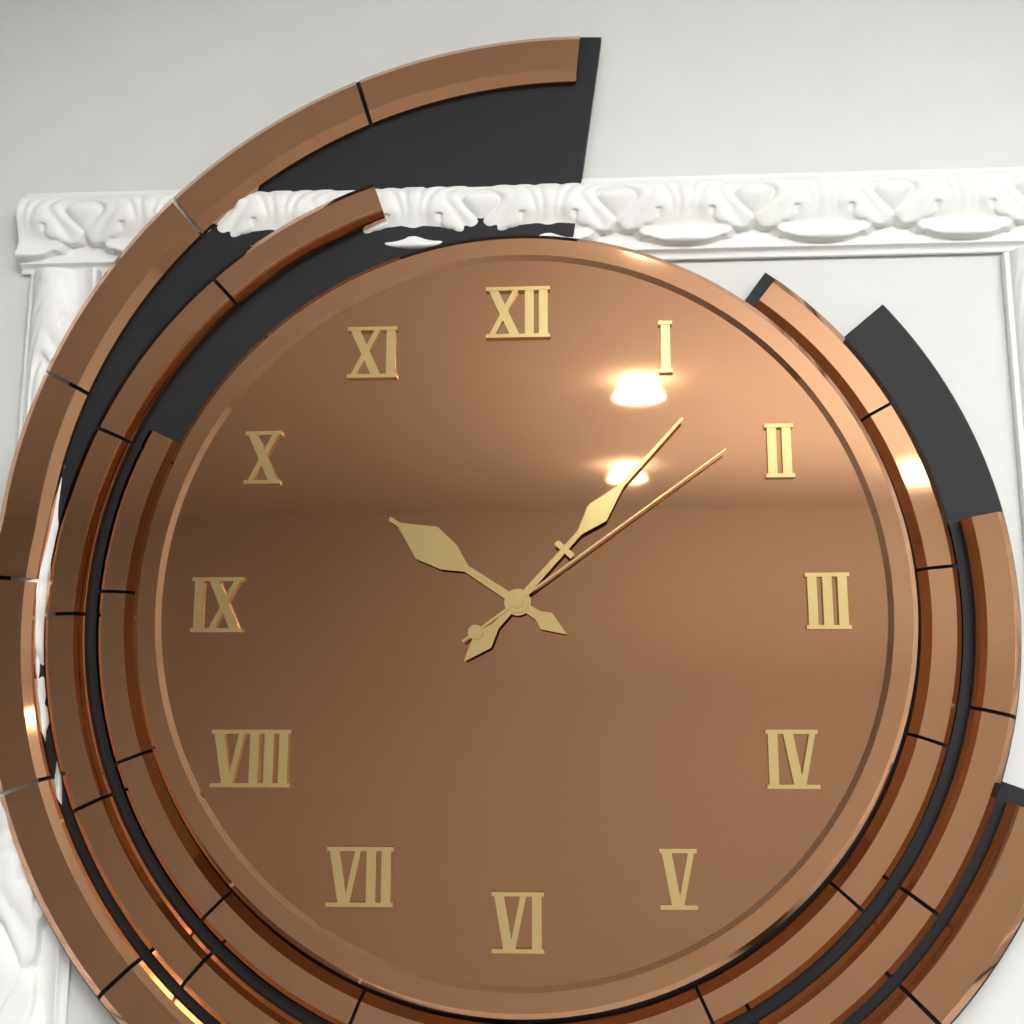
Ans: 10:07:09
